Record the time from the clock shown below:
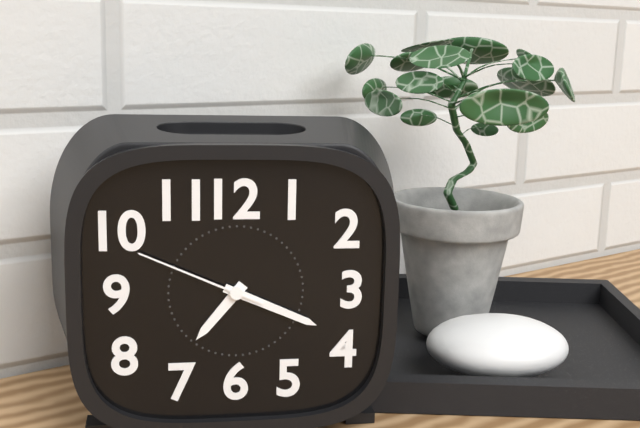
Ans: 7:19:49
